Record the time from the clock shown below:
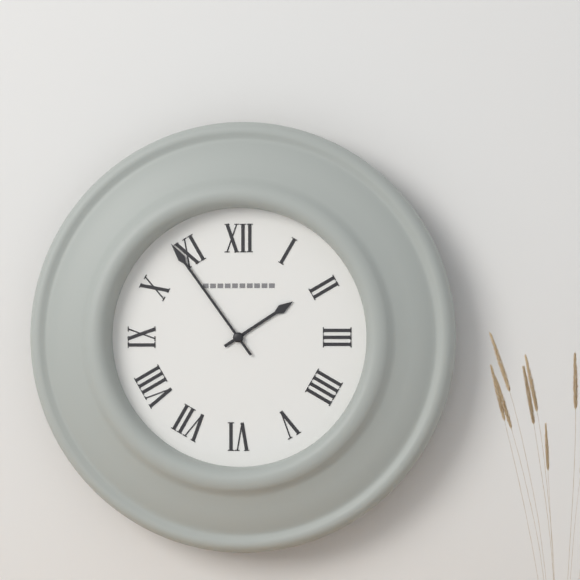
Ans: 1:54
